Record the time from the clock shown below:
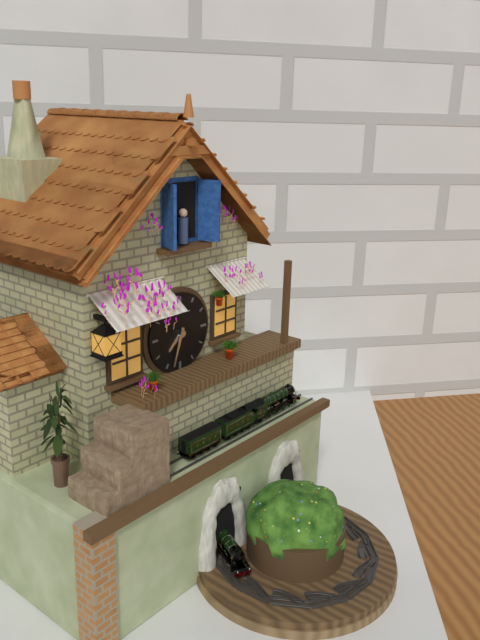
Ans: 7:33
